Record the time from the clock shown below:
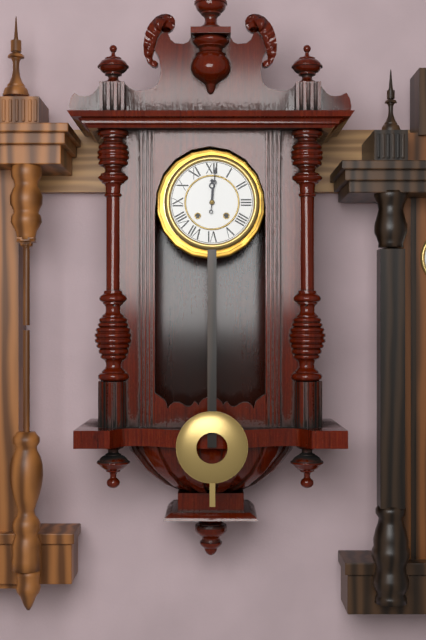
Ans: 12:01
